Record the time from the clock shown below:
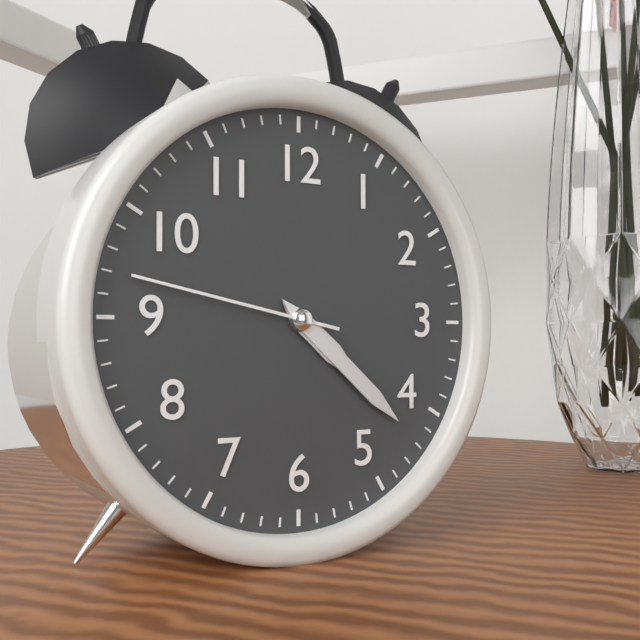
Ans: 4:22:47
